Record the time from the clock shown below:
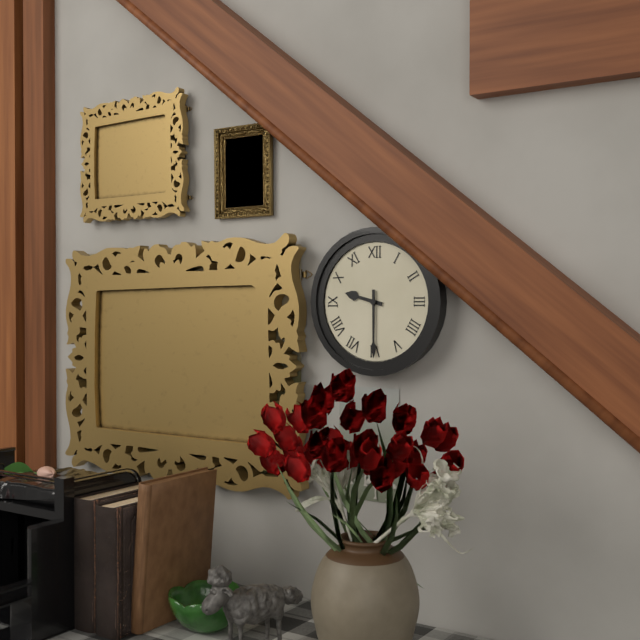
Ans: 9:30
